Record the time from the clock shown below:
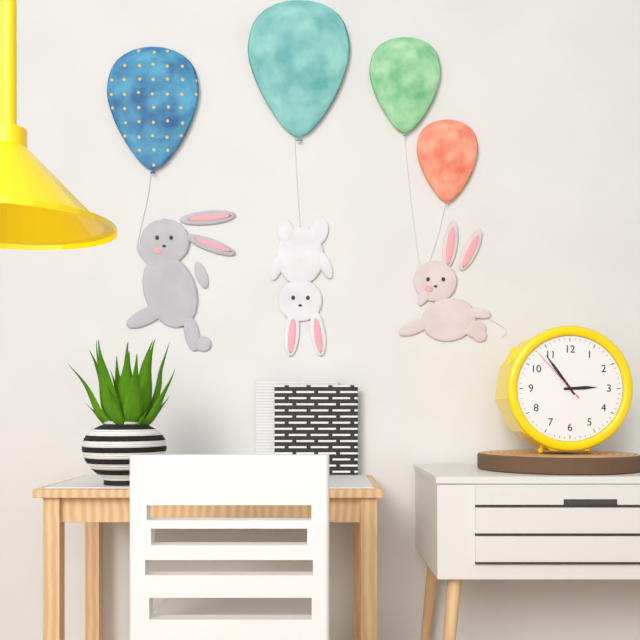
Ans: 2:54:53
